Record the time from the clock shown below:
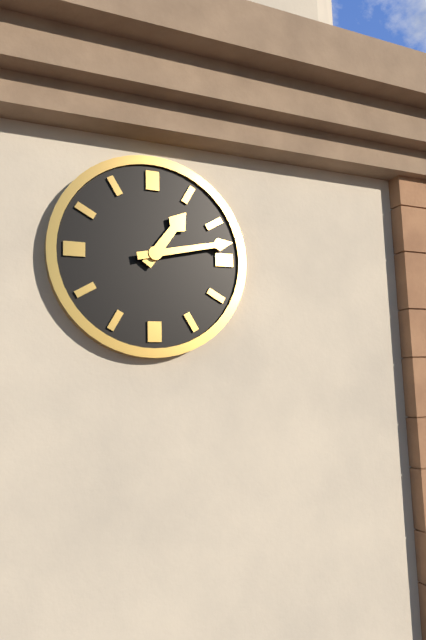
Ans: 1:13
